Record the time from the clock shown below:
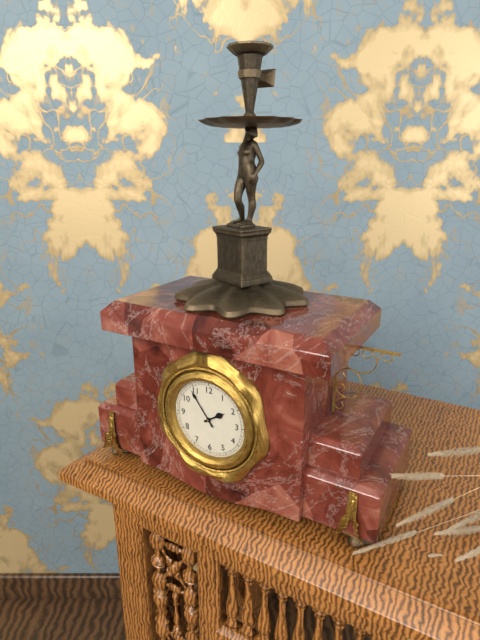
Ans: 1:54
